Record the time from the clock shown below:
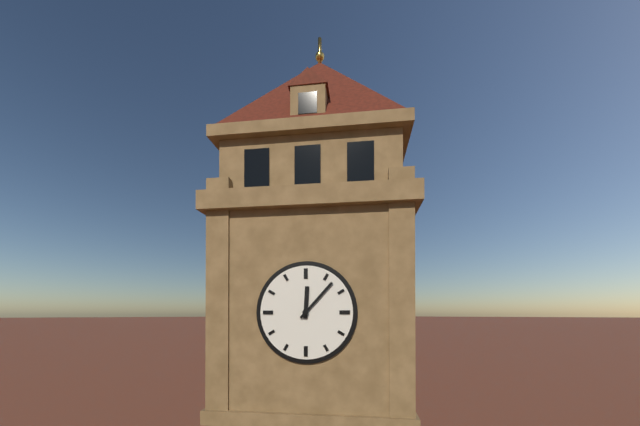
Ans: 12:07
